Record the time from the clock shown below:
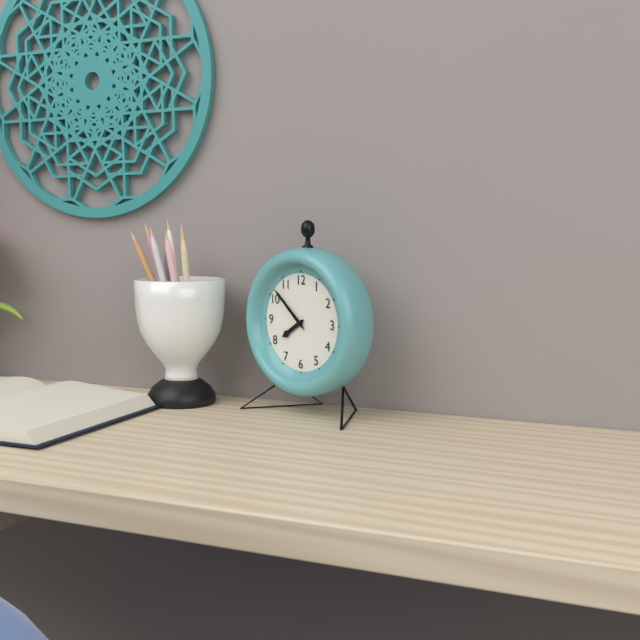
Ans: 7:52
